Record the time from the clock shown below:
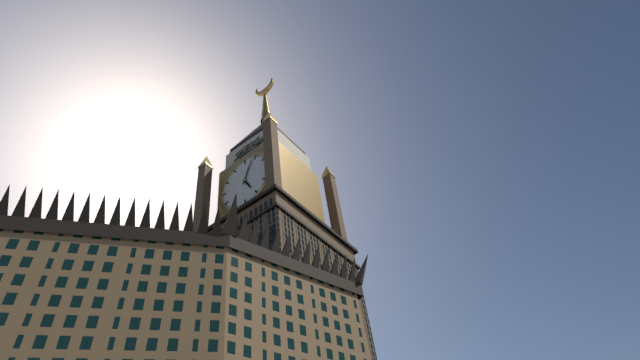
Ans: 5:04
